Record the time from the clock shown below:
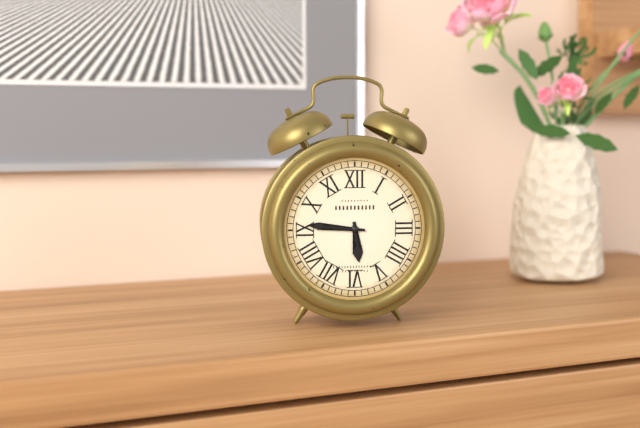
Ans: 5:46
